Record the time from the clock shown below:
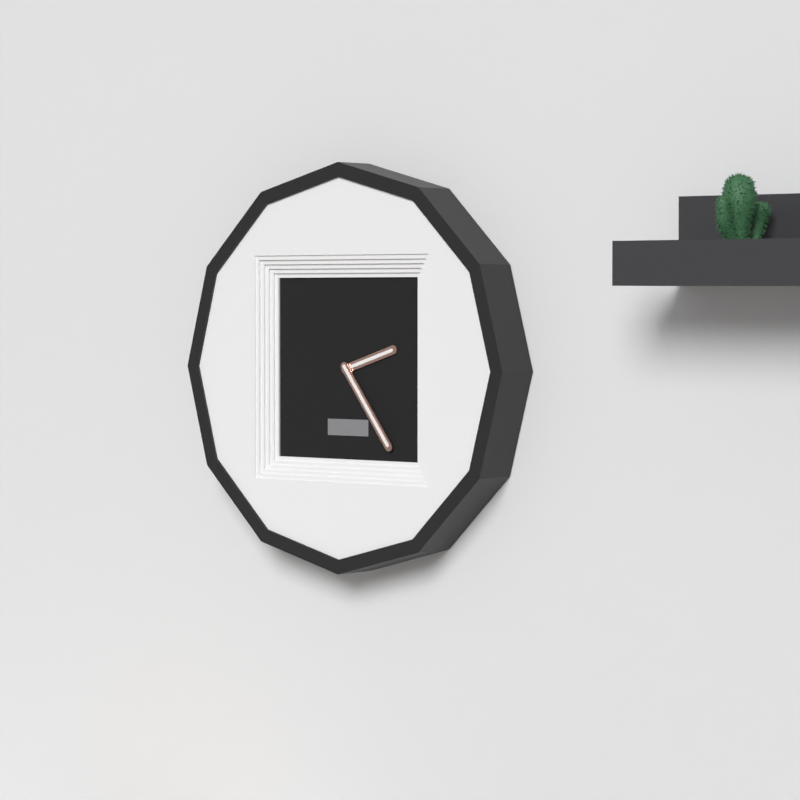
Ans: 2:24
